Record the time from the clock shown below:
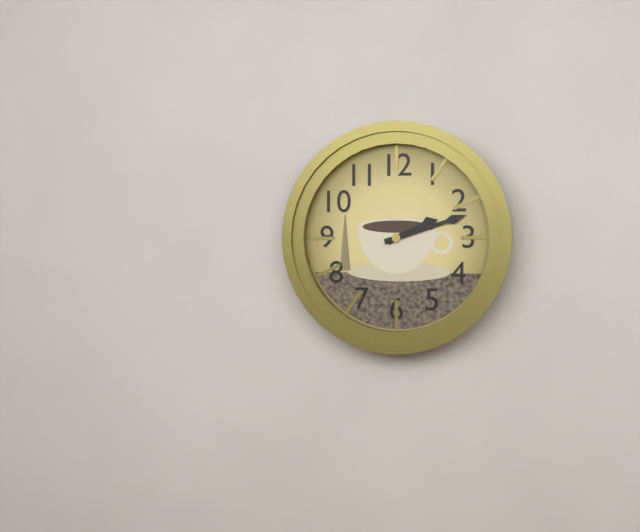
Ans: 2:12
